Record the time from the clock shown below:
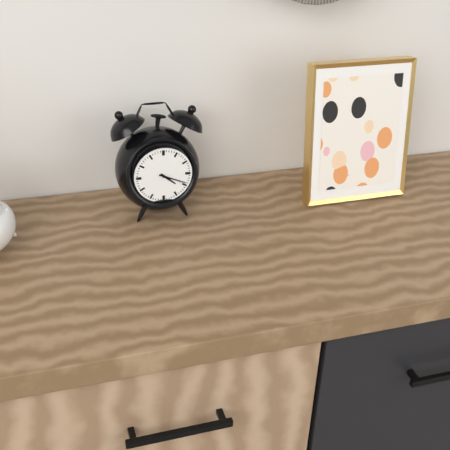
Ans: 4:19
